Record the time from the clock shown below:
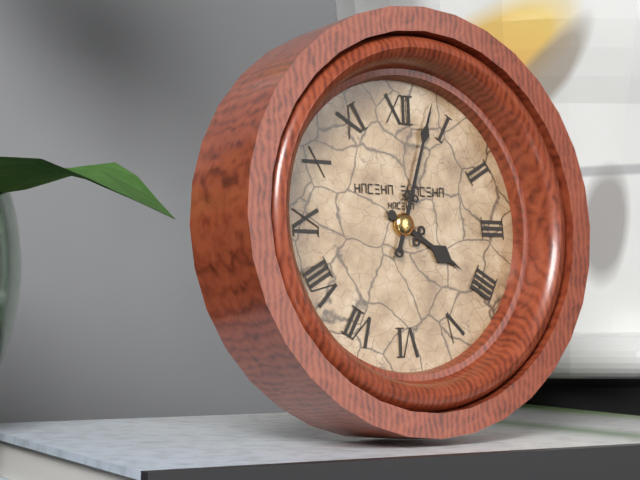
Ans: 4:03
